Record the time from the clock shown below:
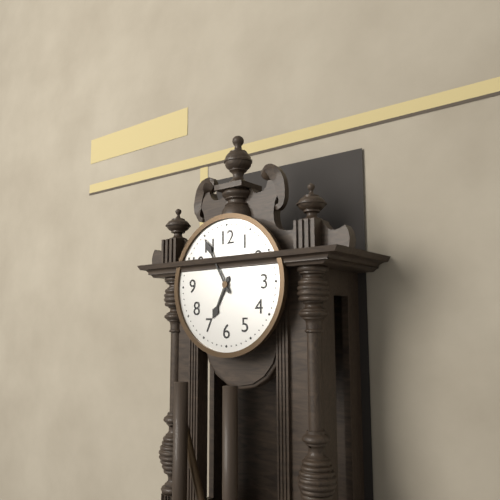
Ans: 6:55
